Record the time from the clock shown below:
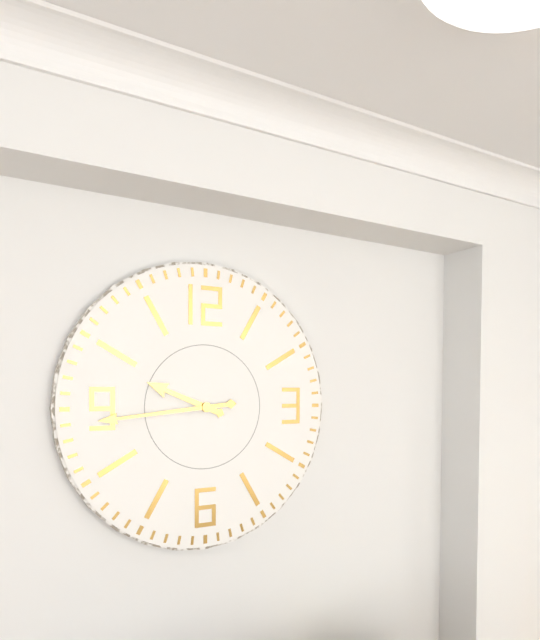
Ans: 9:44
